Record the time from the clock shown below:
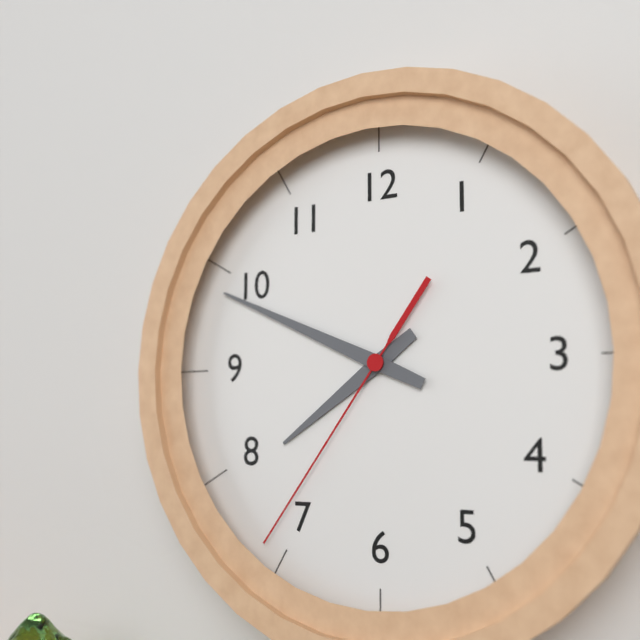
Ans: 7:49:36
